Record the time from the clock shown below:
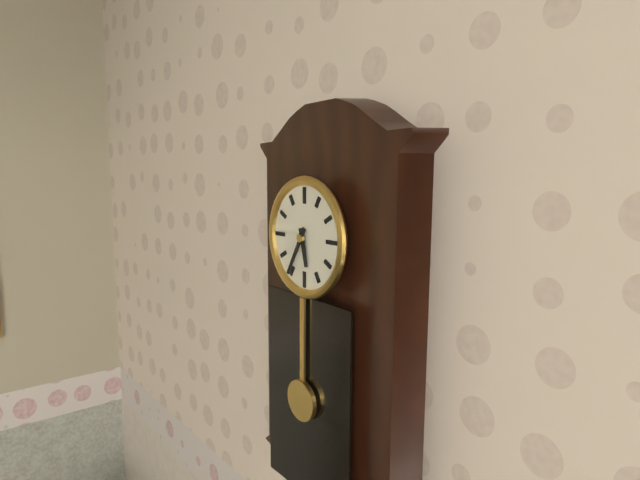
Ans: 5:35
